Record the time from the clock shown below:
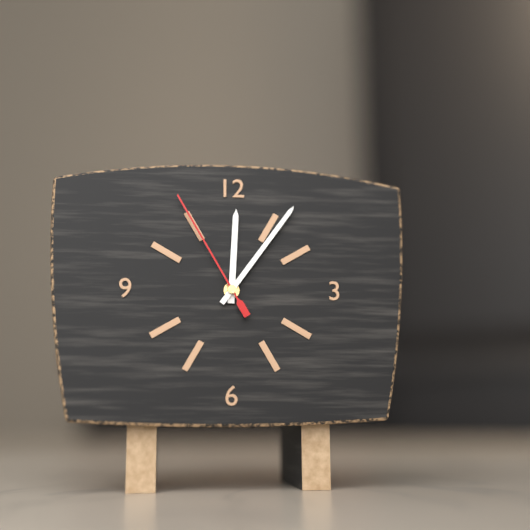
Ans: 12:06:55
